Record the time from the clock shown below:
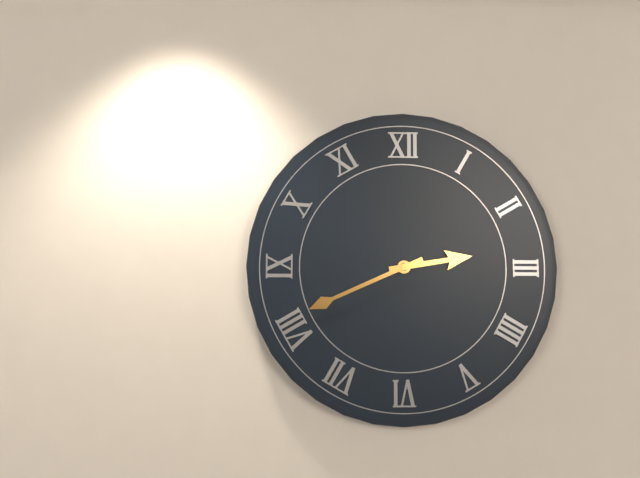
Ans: 2:41
